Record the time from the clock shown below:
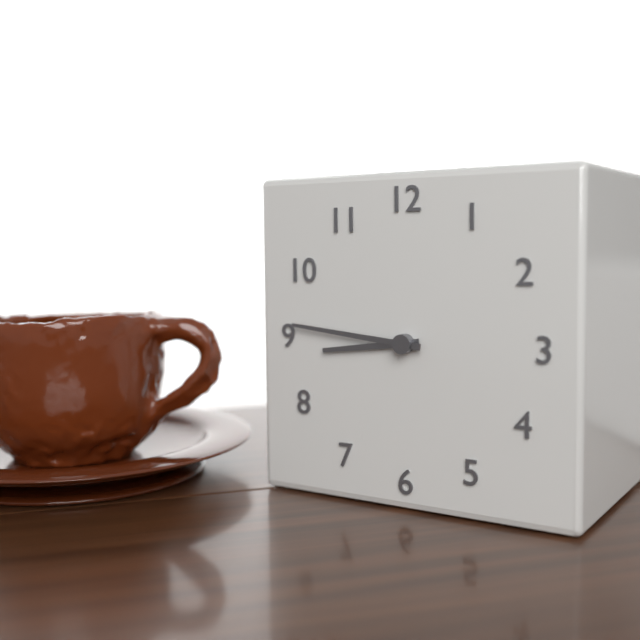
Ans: 8:46
